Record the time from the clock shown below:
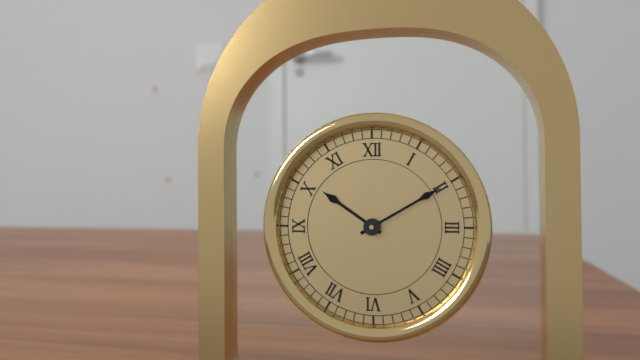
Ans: 10:10
